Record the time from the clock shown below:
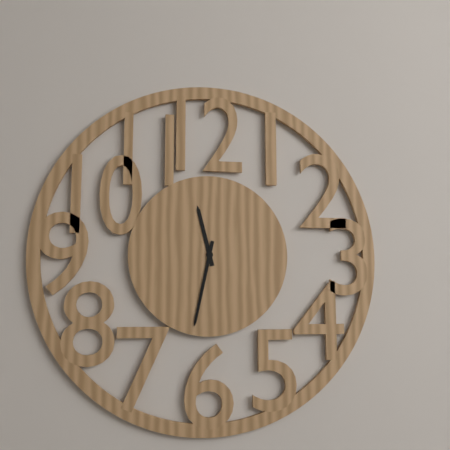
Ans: 11:32
